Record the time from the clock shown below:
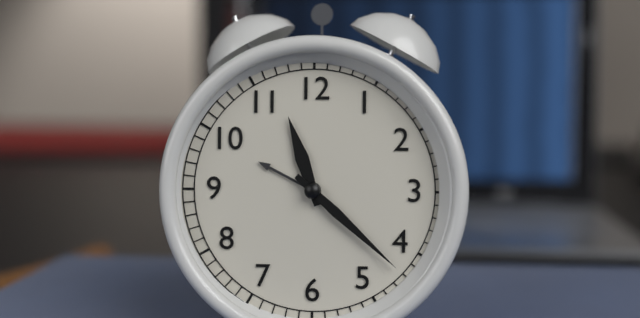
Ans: 11:22
